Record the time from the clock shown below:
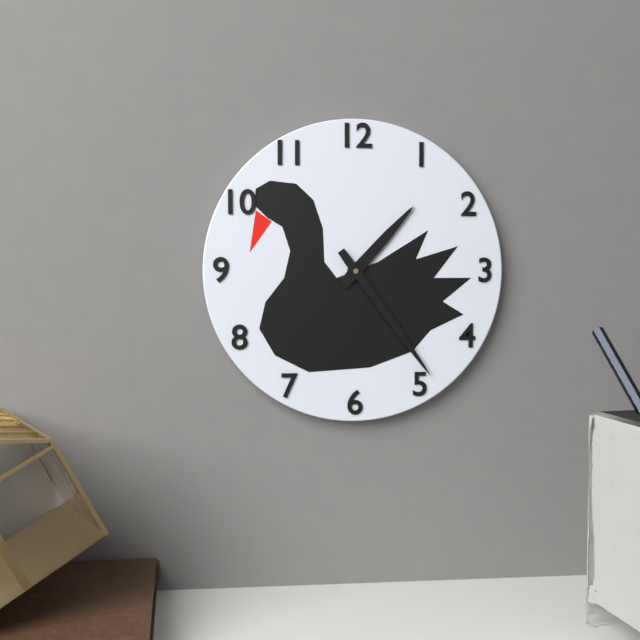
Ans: 1:24
